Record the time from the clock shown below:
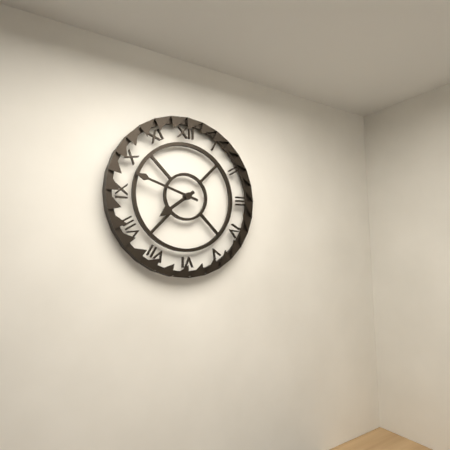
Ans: 7:48
